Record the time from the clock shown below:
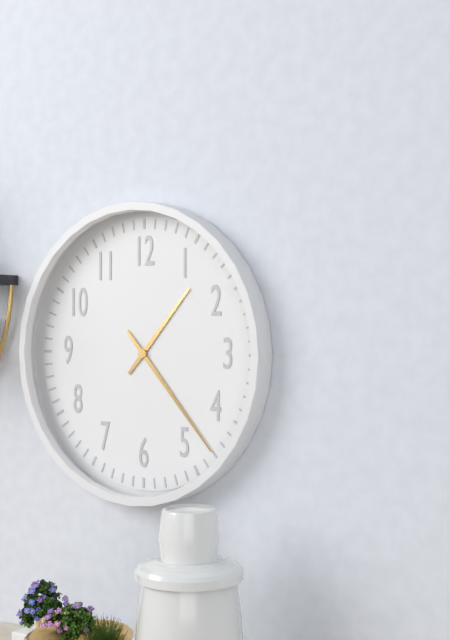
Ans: 1:23
